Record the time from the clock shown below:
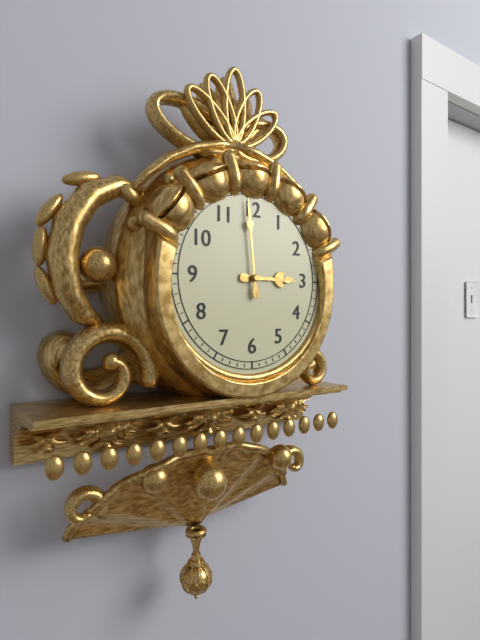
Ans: 2:59
